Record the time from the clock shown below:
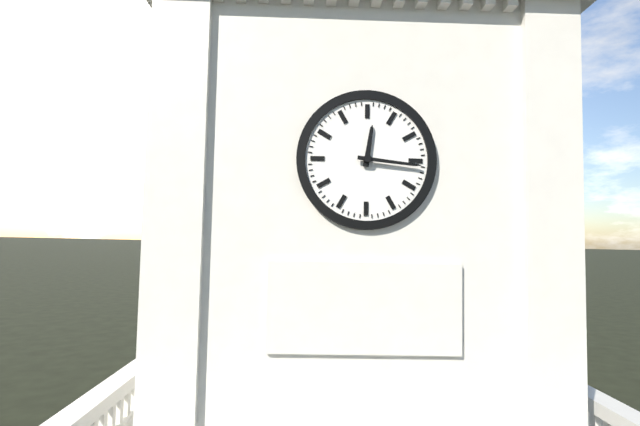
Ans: 12:16
